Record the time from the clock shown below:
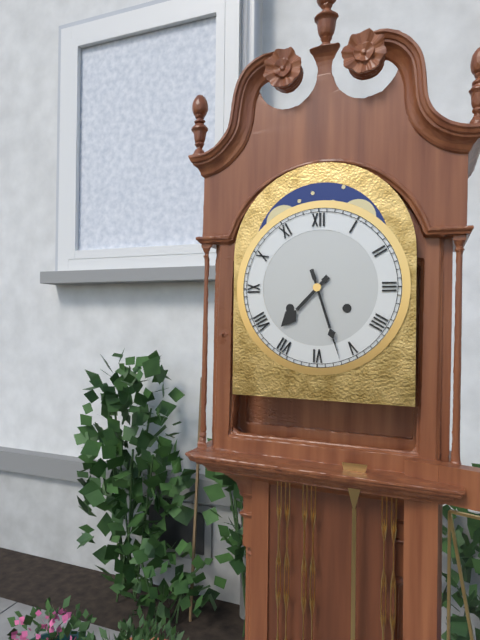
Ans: 7:27
